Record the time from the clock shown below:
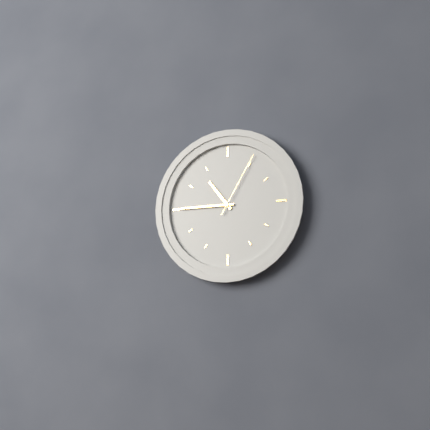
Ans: 10:45:05
